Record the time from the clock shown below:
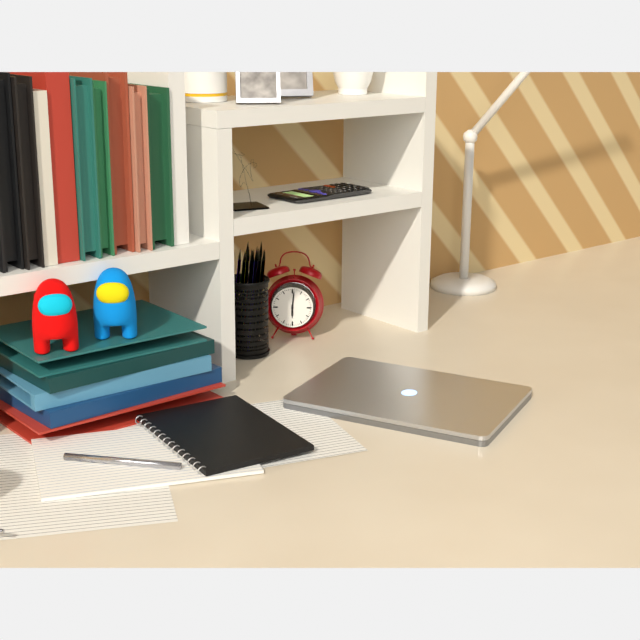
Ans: 6:01
